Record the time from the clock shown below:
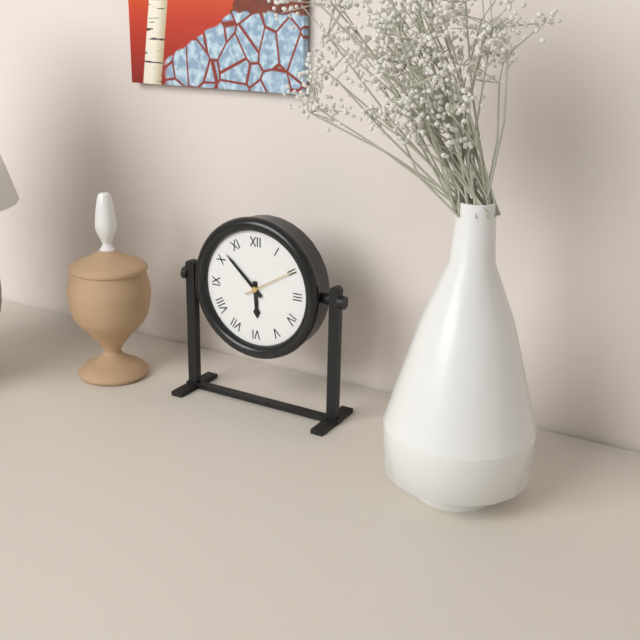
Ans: 5:52:10
